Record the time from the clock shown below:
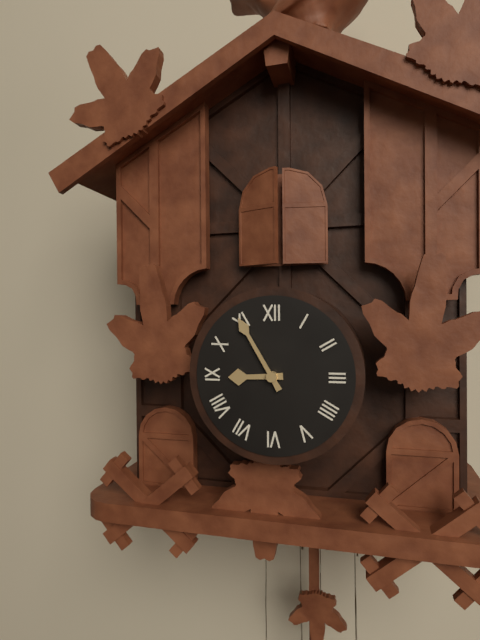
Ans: 8:55
